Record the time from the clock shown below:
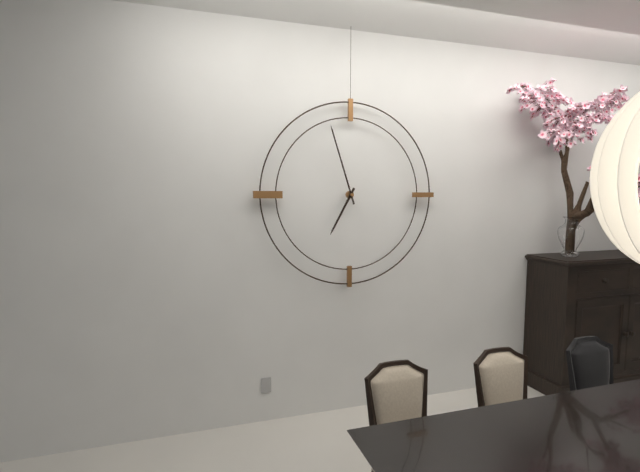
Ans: 6:57
